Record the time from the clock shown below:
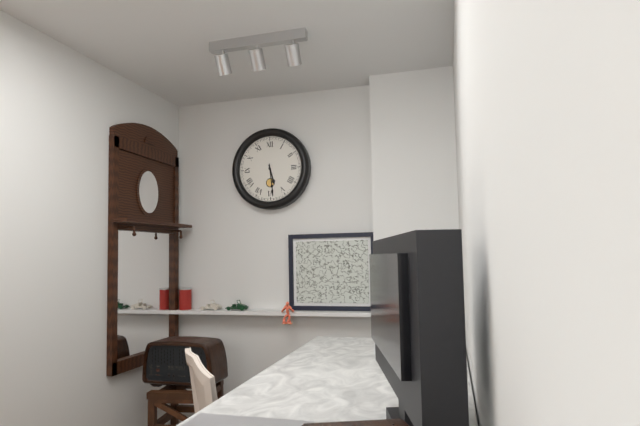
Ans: 5:29
